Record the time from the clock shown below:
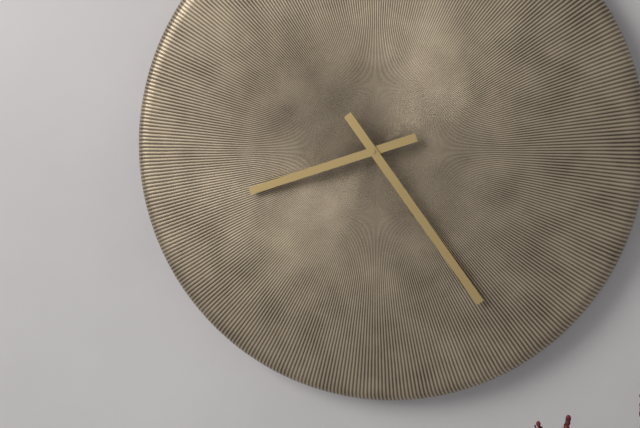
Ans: 8:24
